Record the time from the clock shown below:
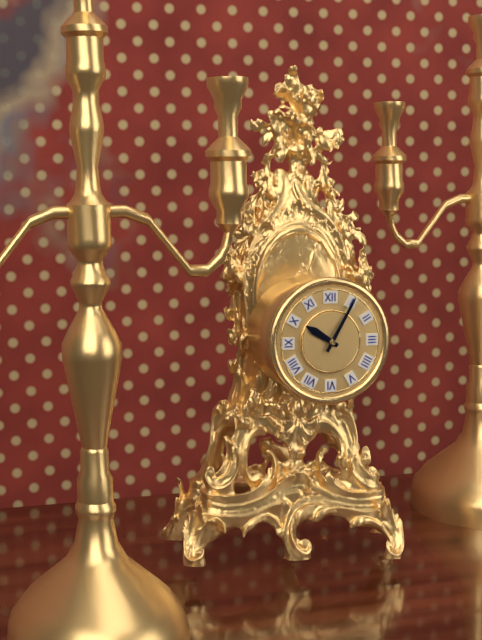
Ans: 10:05
